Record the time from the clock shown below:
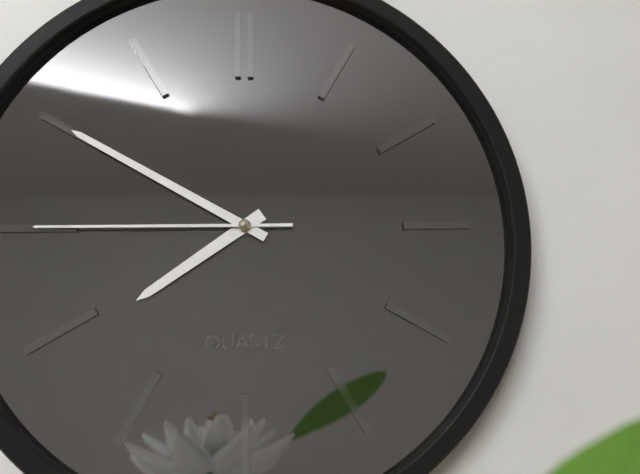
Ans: 7:50:45
